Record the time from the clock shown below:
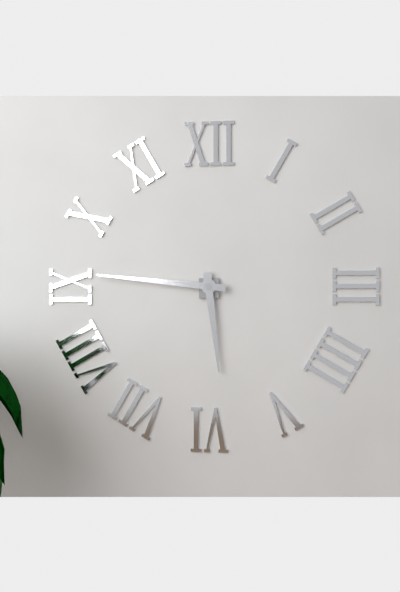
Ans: 5:46
